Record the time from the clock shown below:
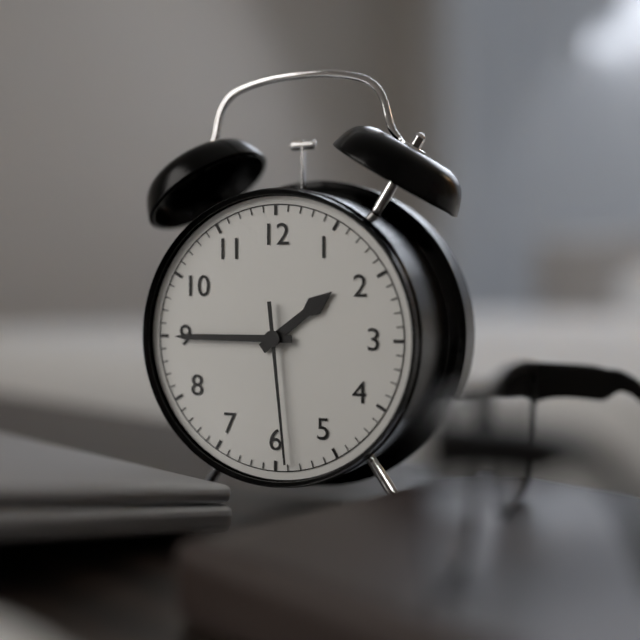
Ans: 1:45:29
